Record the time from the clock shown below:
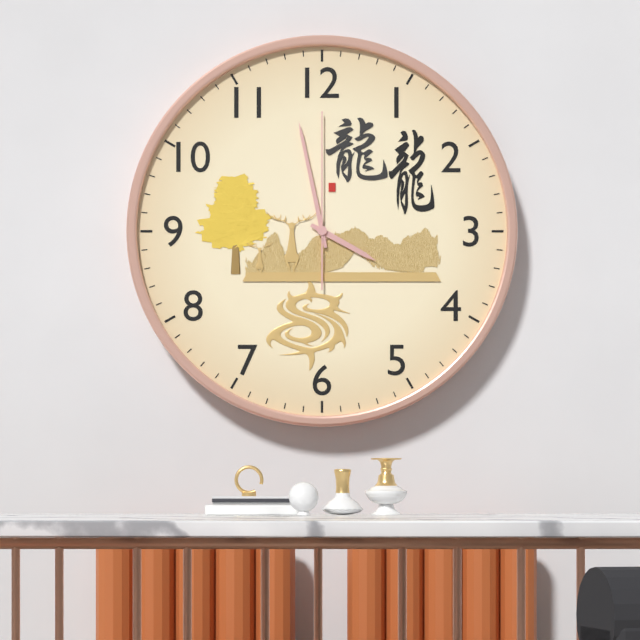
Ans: 3:58:00
